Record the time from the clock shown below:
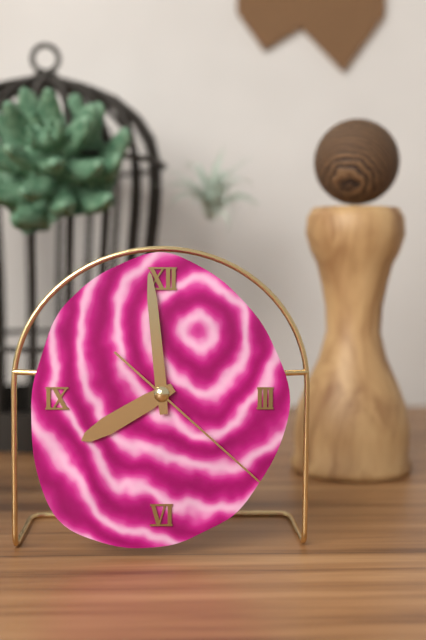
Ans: 7:59:22
